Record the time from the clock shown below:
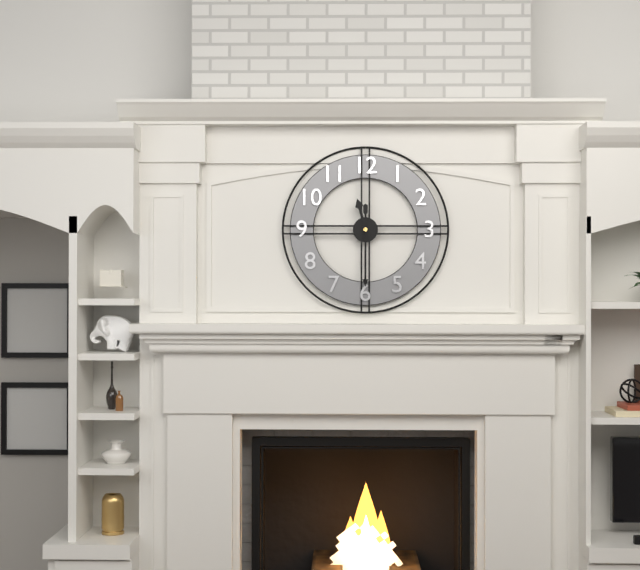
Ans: 11:30
